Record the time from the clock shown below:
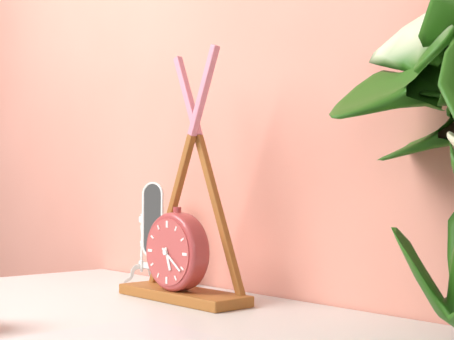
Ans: 5:21
